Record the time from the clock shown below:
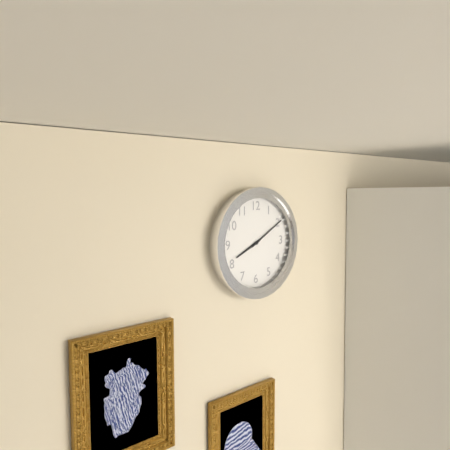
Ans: 8:10
